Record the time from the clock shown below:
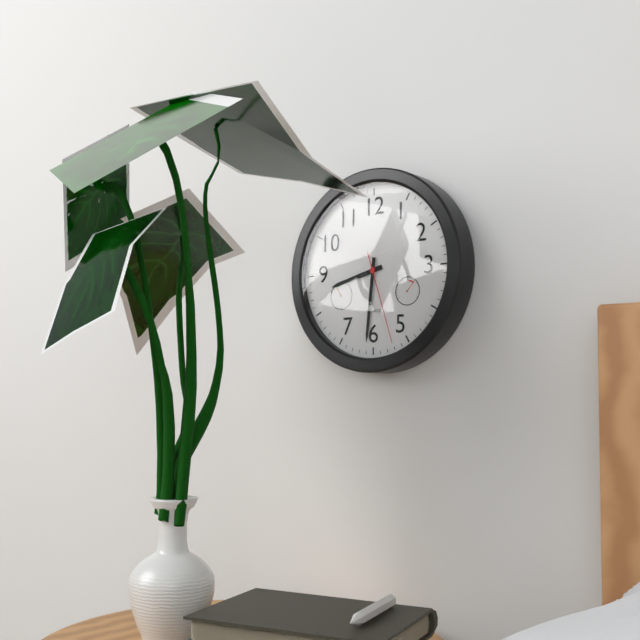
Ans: 8:31:27
